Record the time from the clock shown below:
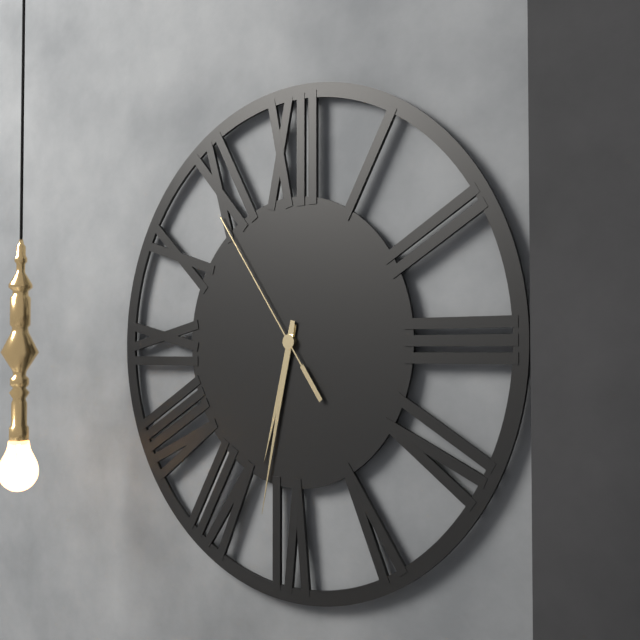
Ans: 6:32:54
